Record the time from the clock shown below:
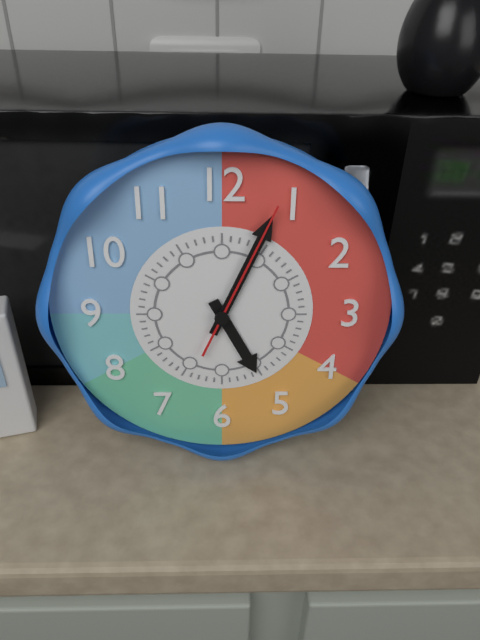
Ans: 5:04:04
